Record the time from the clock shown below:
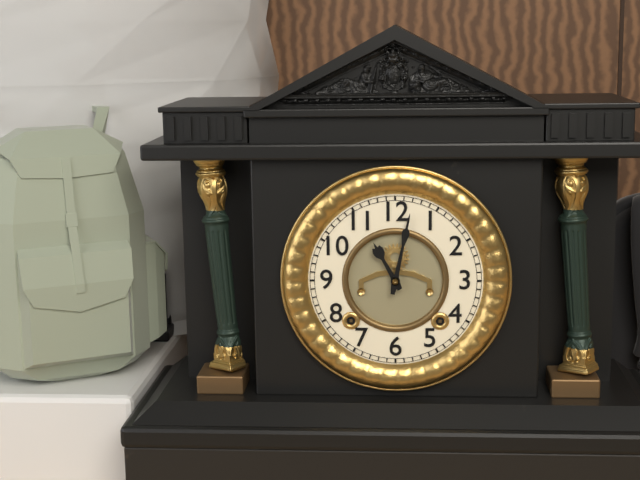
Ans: 11:02
